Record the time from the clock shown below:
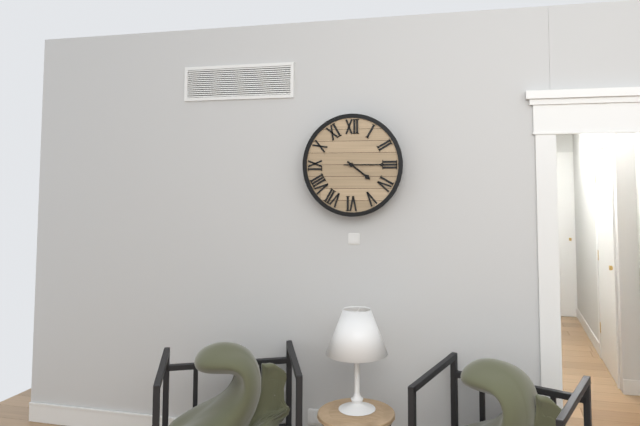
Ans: 4:15
